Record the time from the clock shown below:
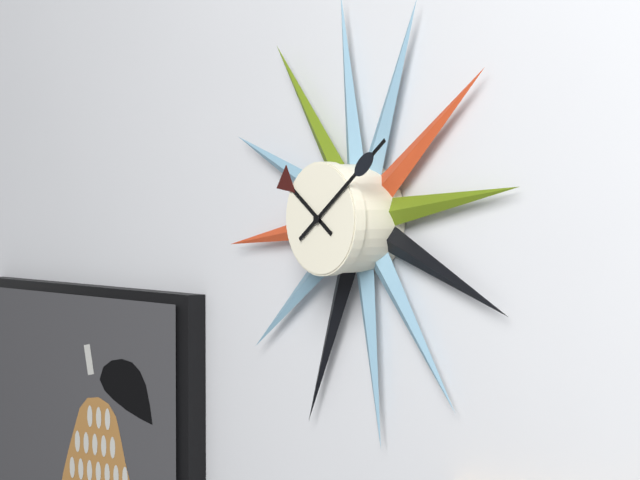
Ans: 10:09
